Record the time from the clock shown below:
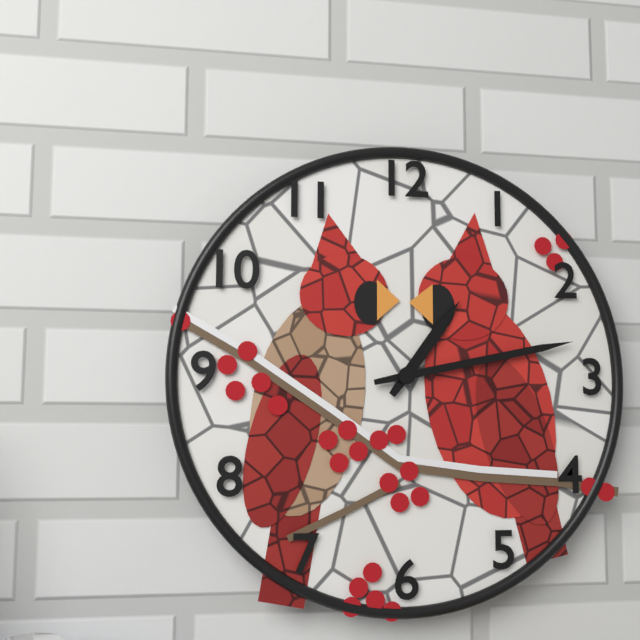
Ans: 1:13
